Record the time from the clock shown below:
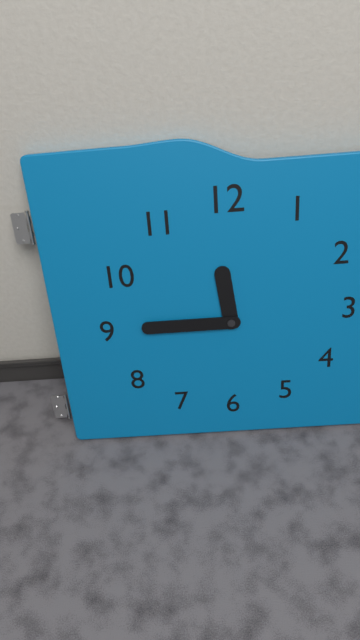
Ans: 11:45
